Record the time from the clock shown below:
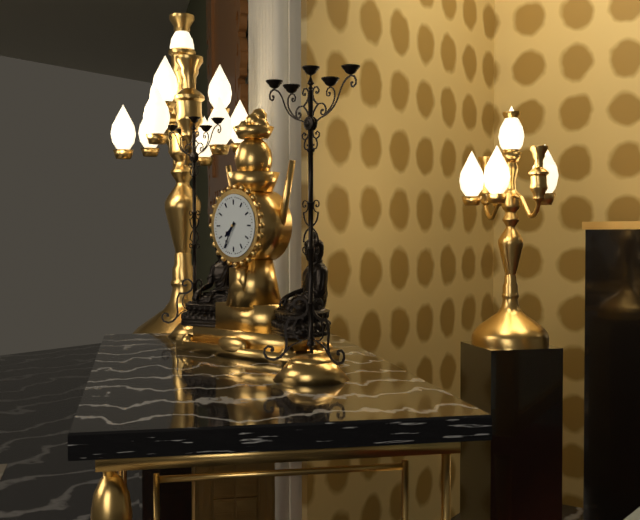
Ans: 7:35
